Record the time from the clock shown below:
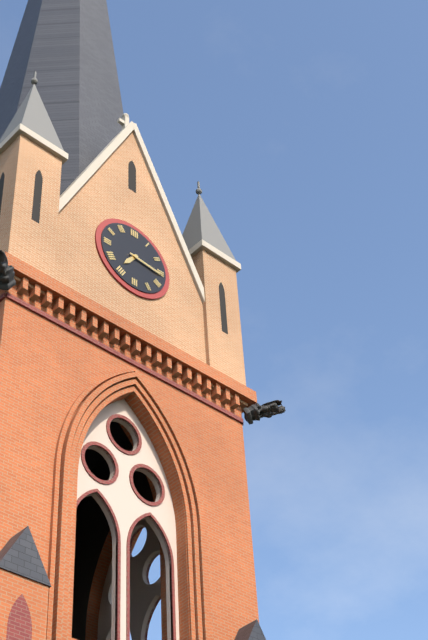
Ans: 7:16
